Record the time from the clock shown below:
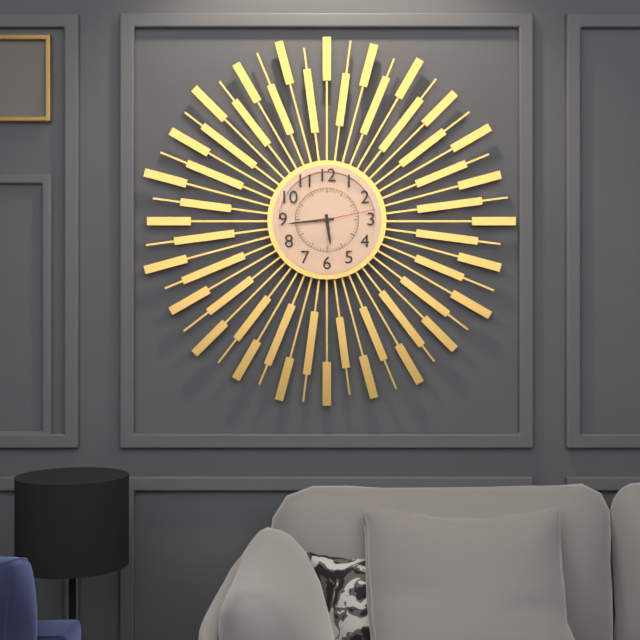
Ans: 5:44:13
